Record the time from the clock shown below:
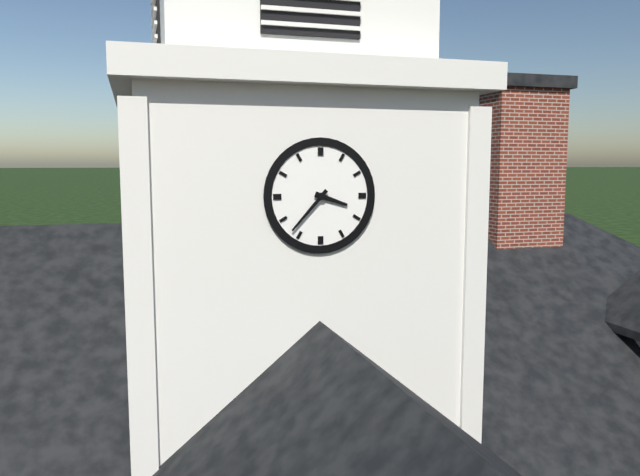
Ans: 3:37
